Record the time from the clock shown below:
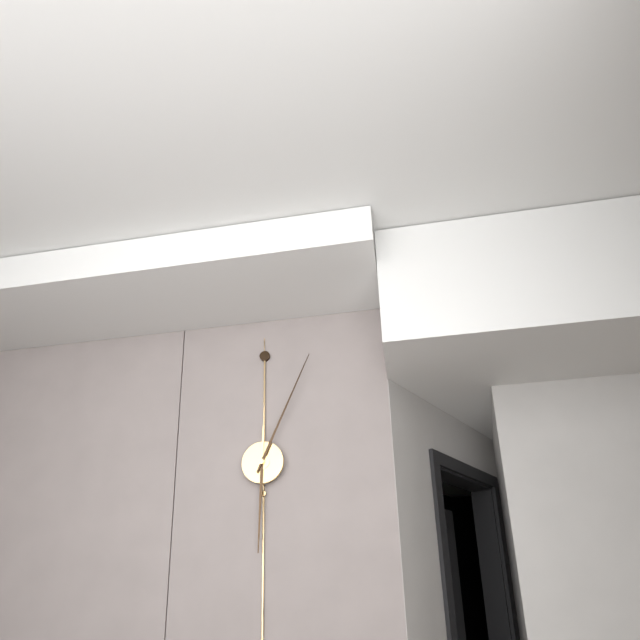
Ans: 6:04
